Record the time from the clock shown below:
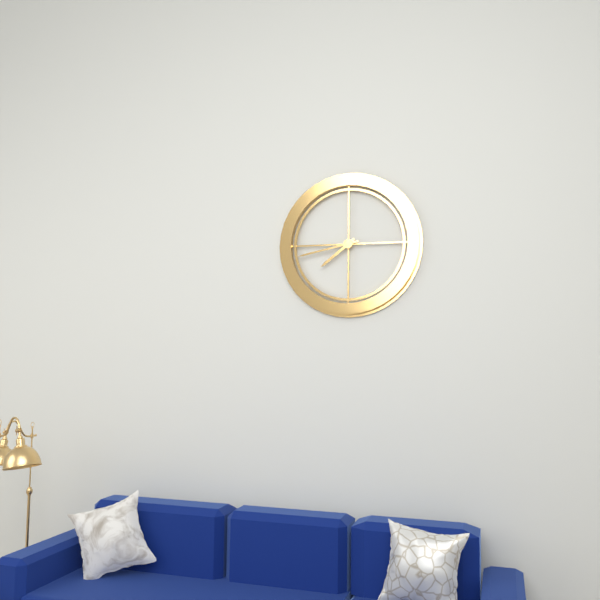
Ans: 7:43
